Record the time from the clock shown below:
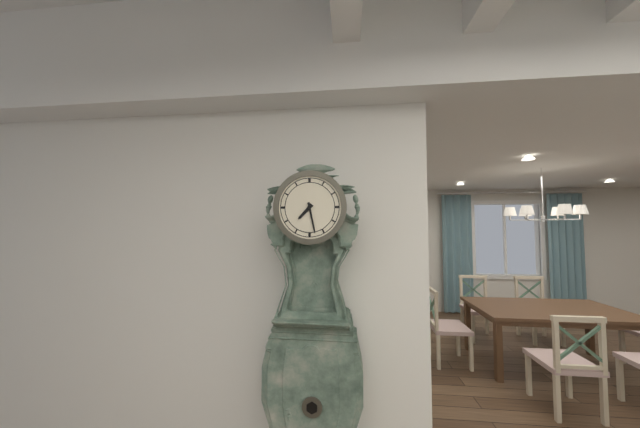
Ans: 7:28
